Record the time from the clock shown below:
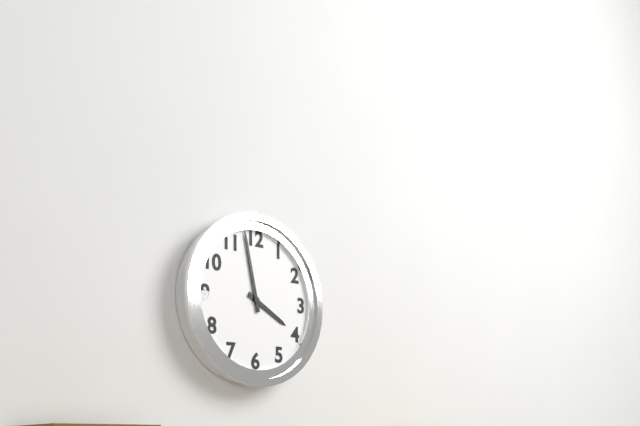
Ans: 3:58
